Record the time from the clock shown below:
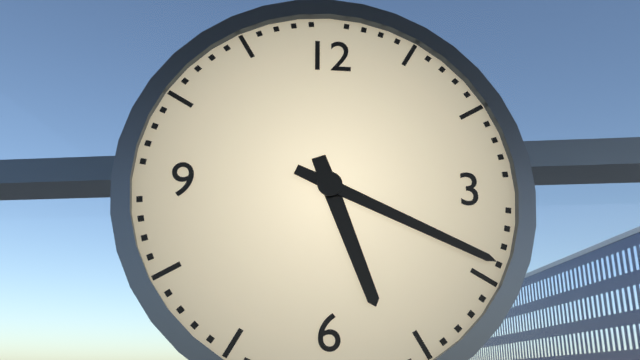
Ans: 5:19
